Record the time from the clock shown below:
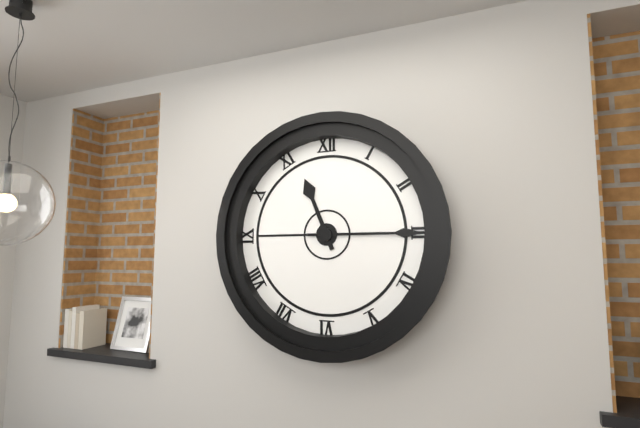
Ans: 11:15
